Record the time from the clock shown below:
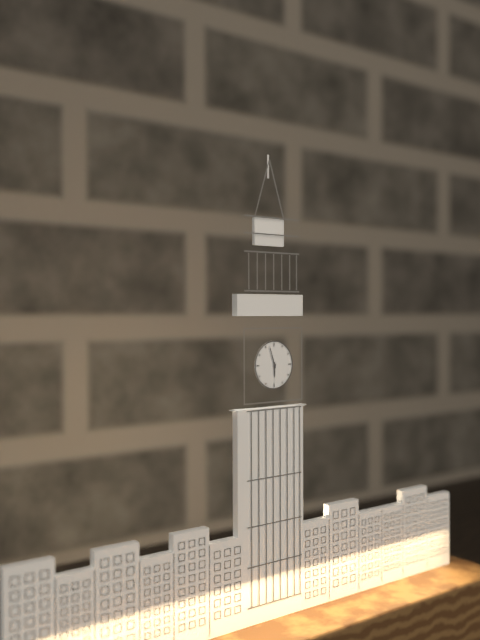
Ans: 5:57
